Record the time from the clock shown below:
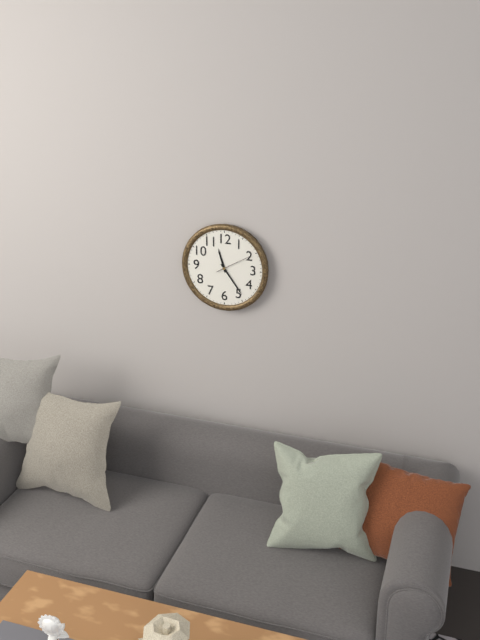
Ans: 11:24
